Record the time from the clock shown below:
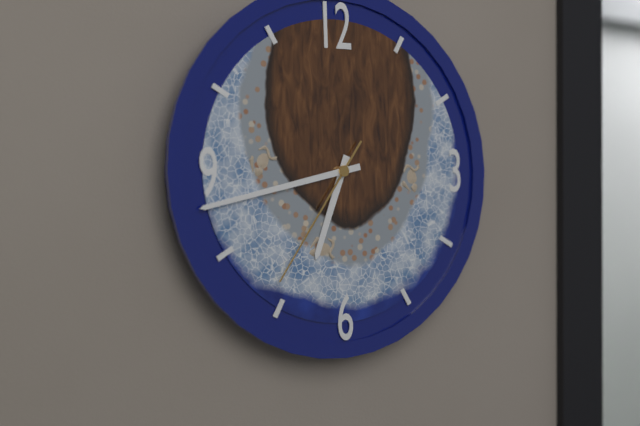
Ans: 6:43:36
